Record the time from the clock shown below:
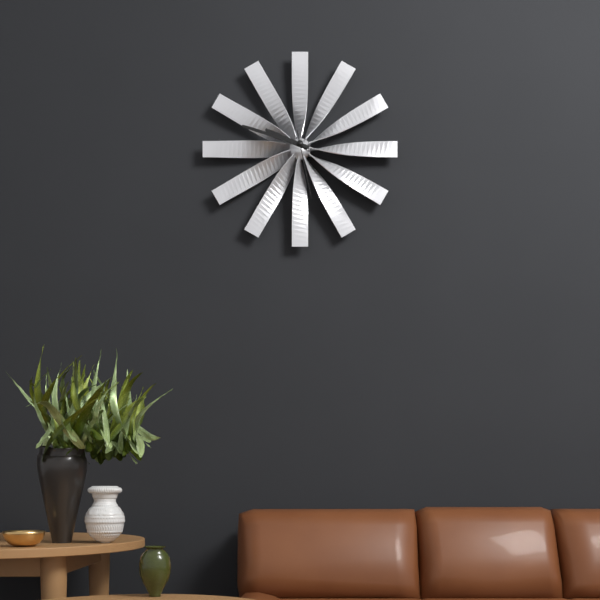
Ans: 9:48:28
